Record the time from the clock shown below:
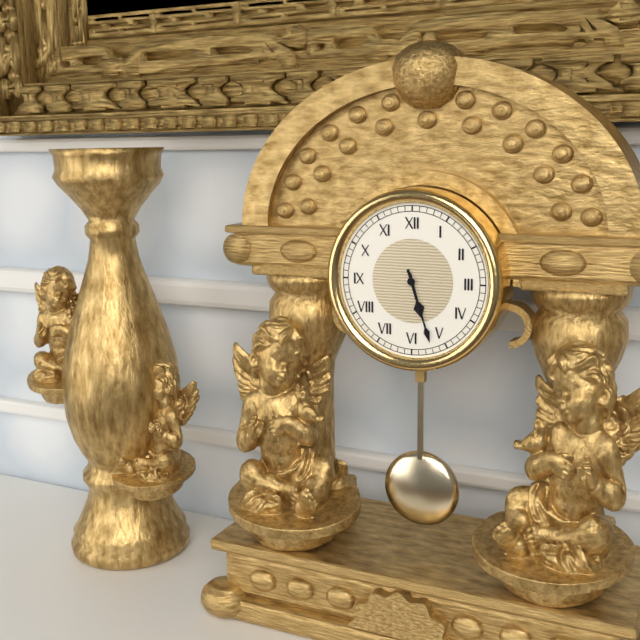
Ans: 5:27
